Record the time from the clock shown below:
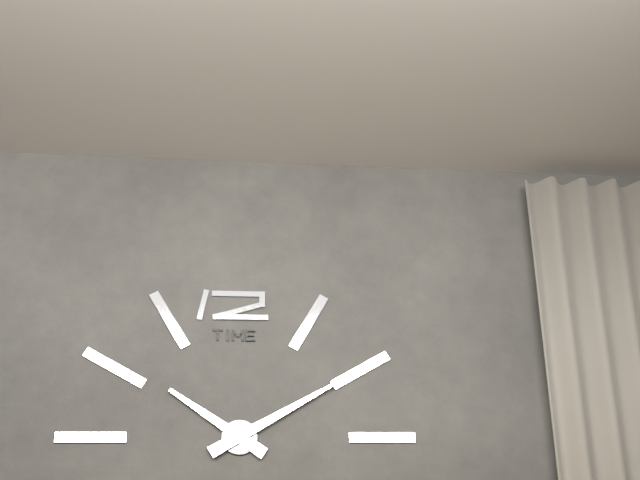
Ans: 10:10
